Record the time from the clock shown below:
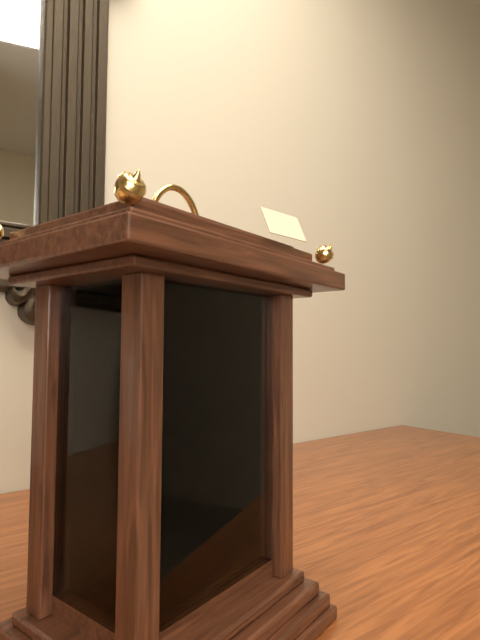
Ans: 5:41
